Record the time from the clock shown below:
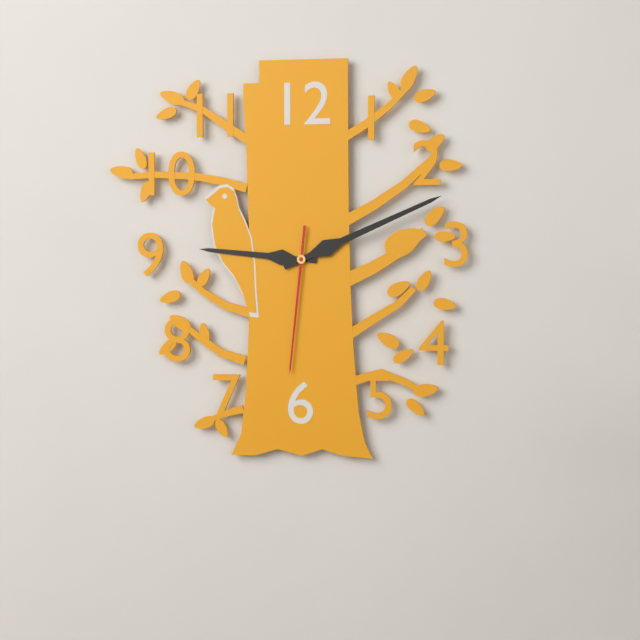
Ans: 9:11:31
